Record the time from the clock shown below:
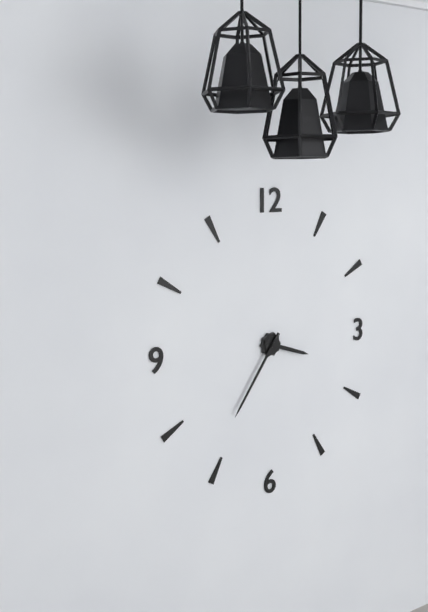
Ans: 3:36
